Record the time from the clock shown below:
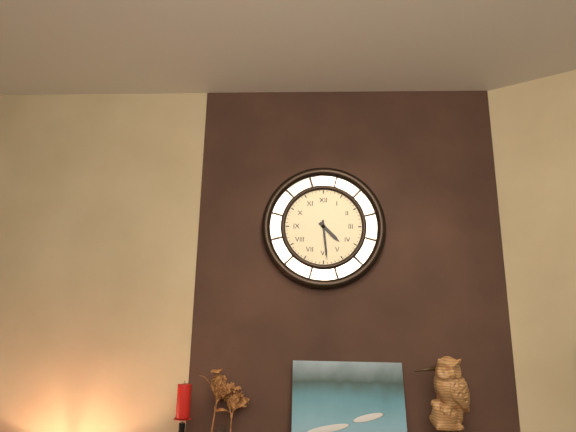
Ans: 4:29
